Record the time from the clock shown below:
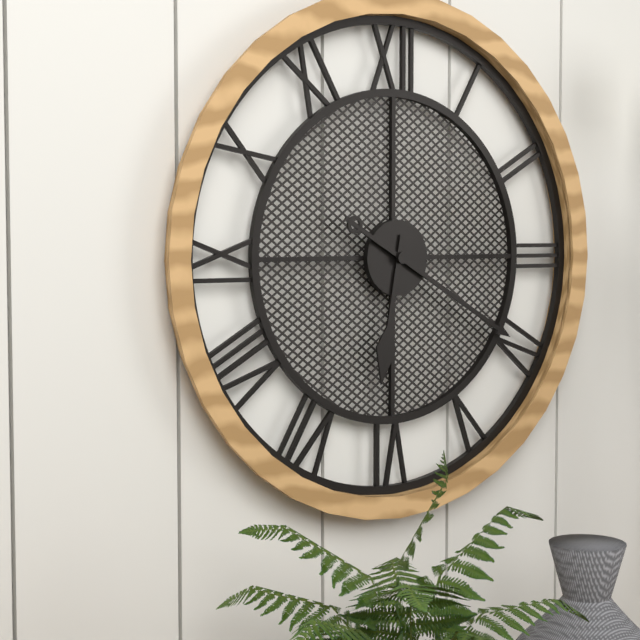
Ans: 6:20
